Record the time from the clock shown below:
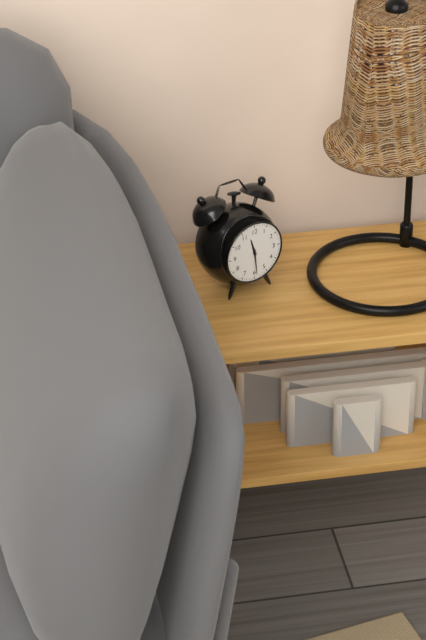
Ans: 11:29
